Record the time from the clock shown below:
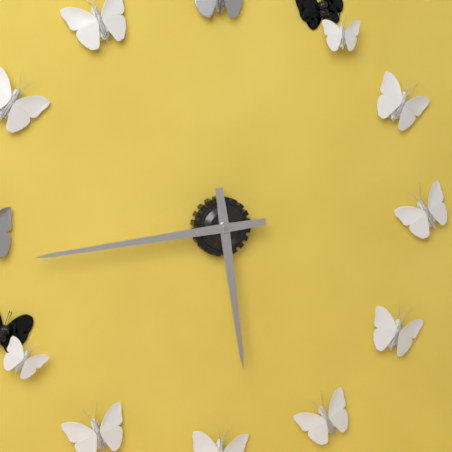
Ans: 5:44
